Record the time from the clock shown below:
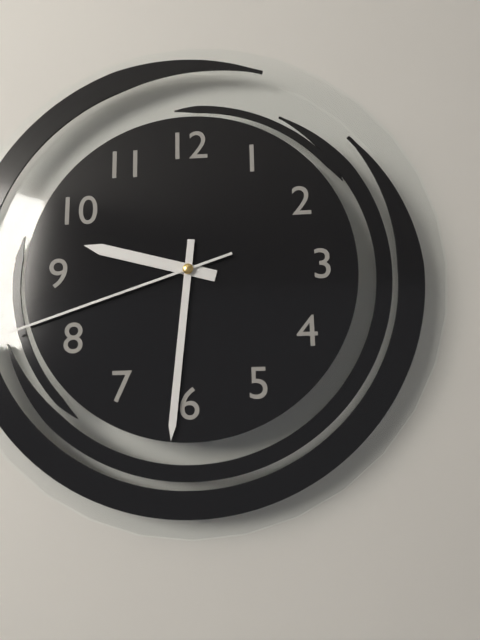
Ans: 9:31:42
